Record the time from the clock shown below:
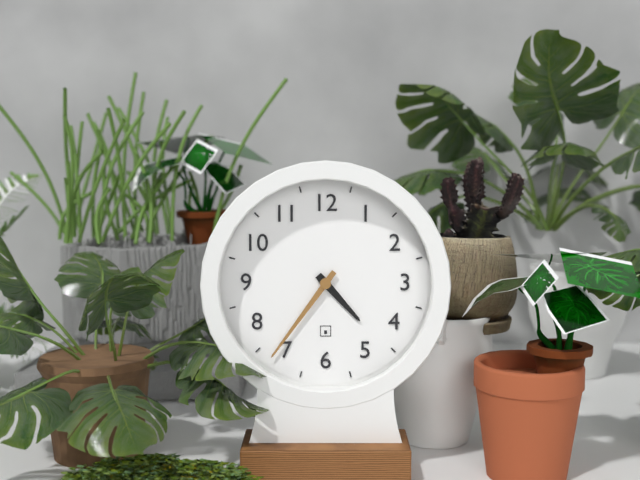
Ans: 4:36
